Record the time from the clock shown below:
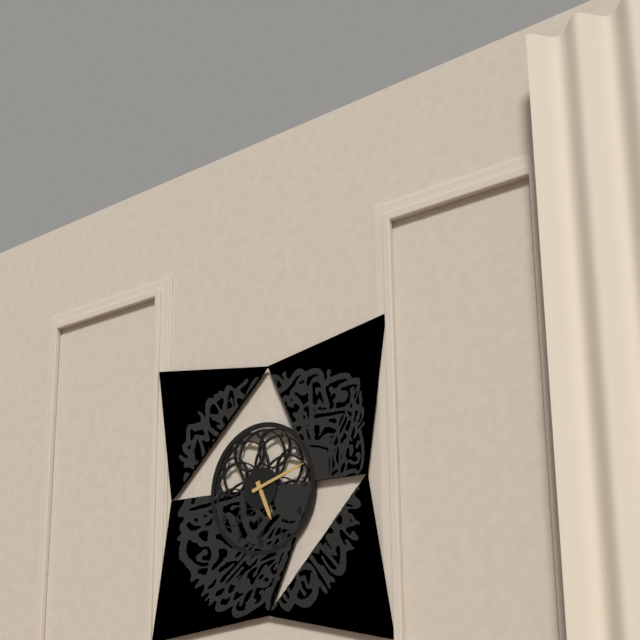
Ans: 5:12
